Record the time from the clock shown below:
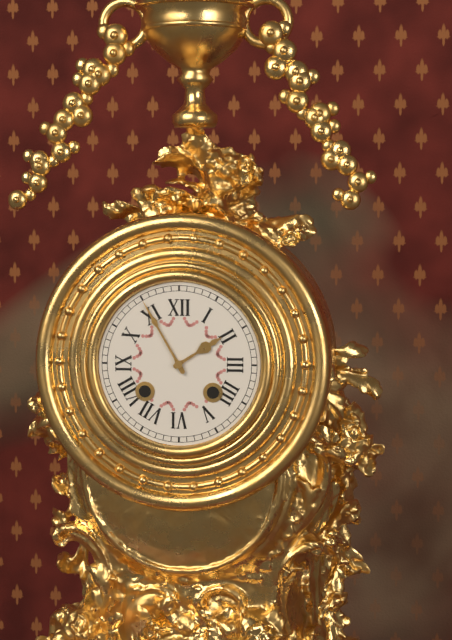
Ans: 1:55
